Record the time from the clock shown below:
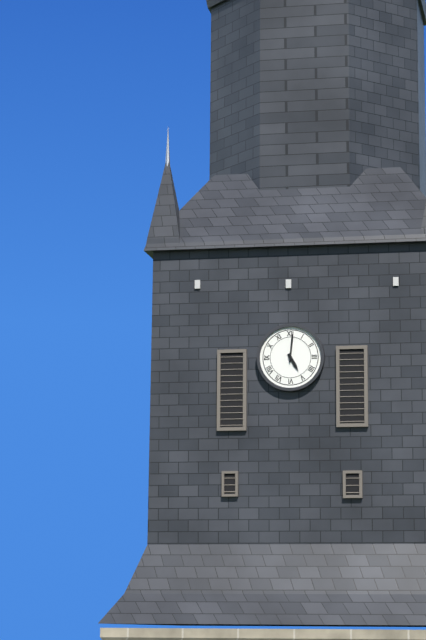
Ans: 5:01
